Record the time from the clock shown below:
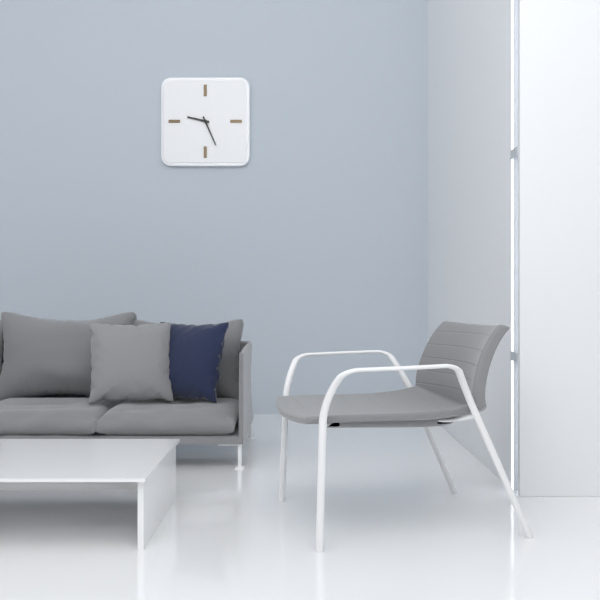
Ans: 9:26
